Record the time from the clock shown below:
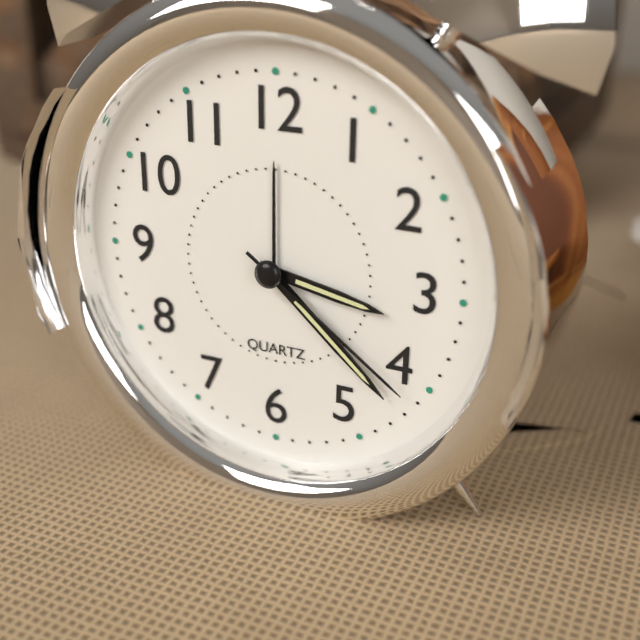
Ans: 3:22:21
